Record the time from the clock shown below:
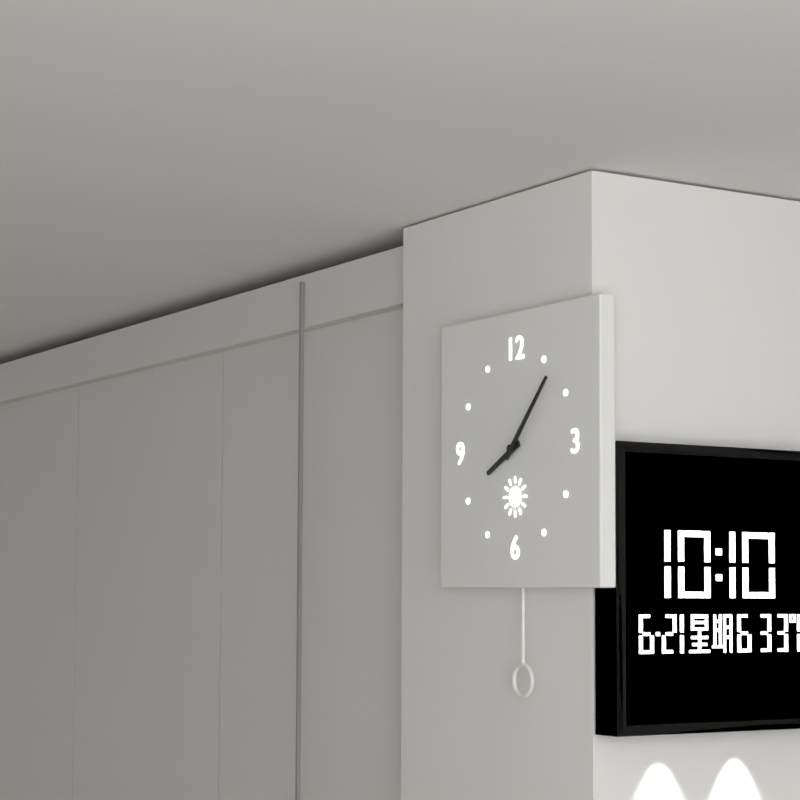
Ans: 8:07
